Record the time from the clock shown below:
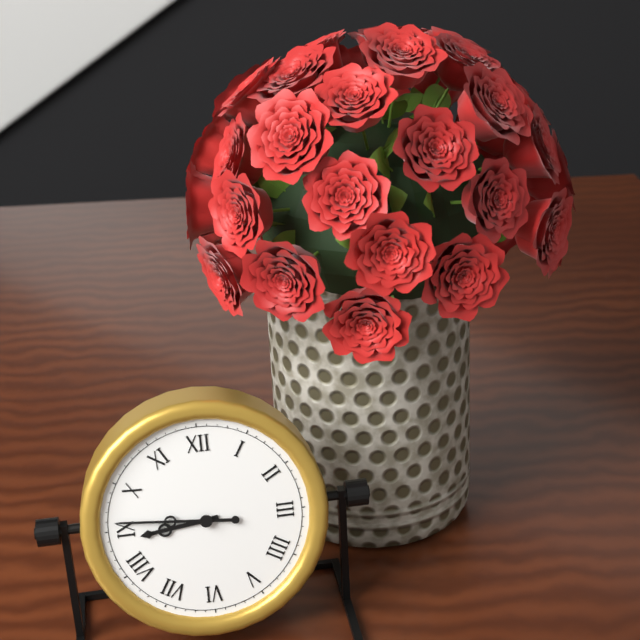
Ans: 8:46
